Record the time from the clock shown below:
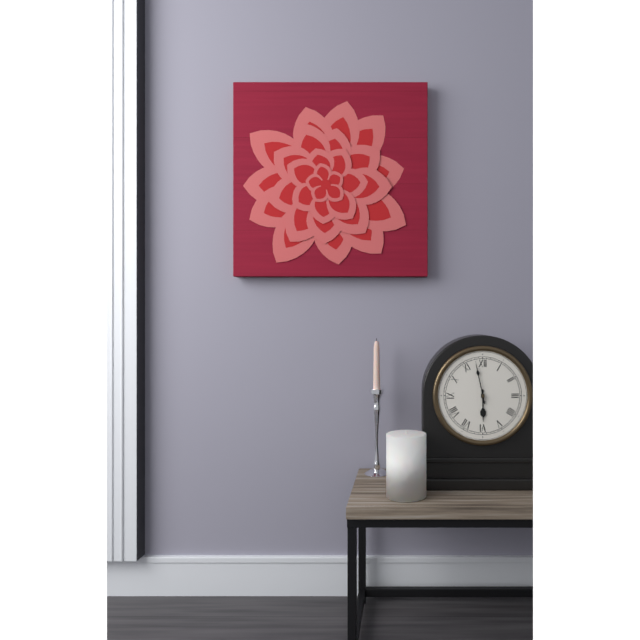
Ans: 5:58
